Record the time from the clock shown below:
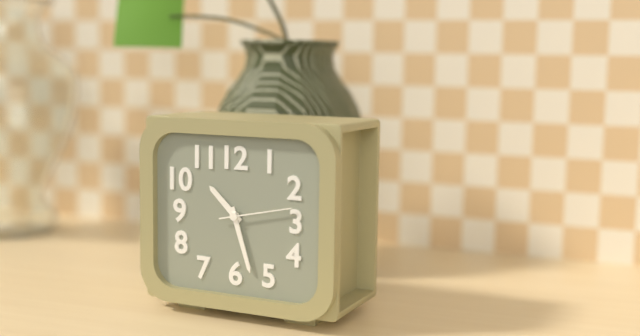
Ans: 10:27:13
